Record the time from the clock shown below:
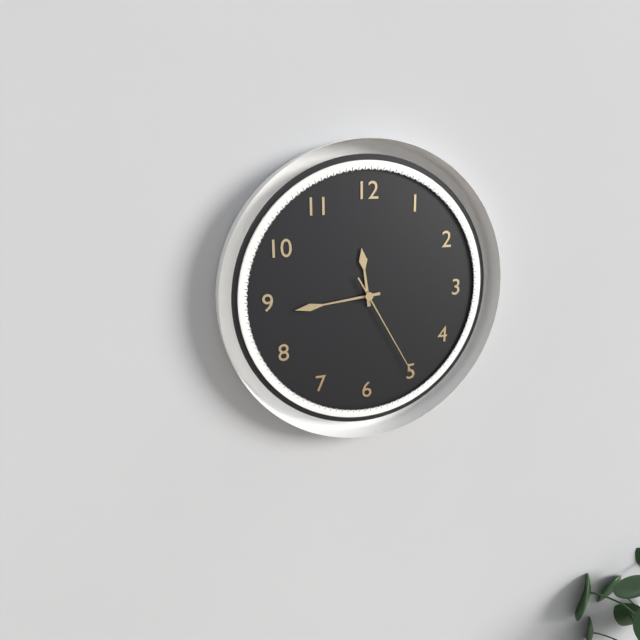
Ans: 11:44:25
